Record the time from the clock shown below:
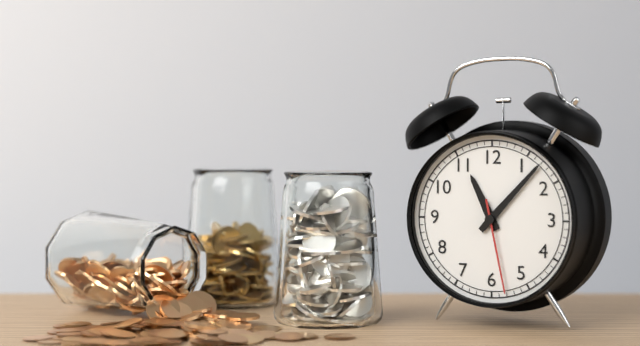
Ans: 11:07:28
